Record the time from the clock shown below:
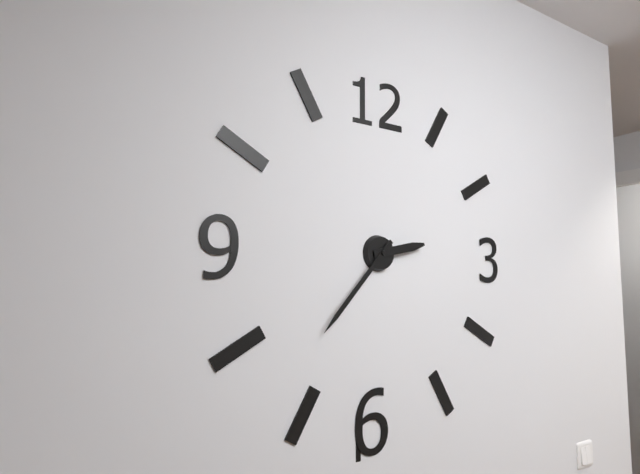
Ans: 2:37
